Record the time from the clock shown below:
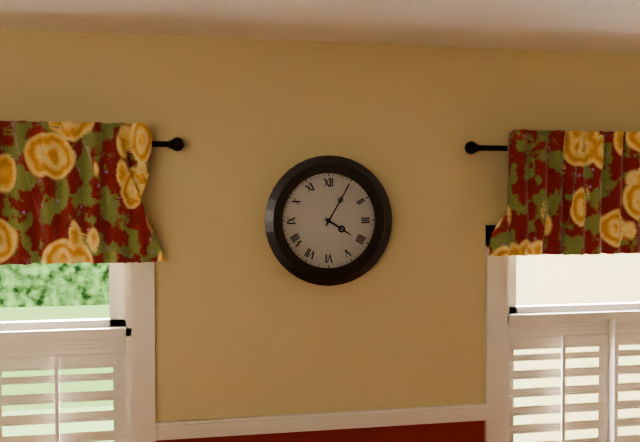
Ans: 4:05
